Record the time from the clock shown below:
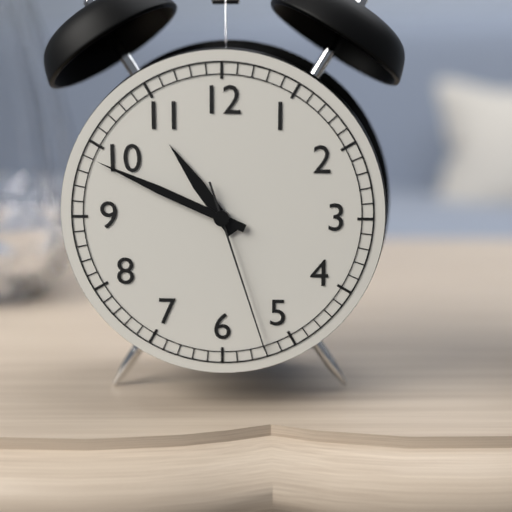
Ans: 10:49:27
